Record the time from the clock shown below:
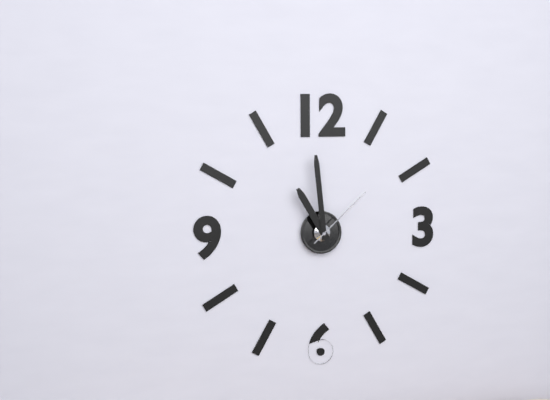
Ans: 10:59:08
